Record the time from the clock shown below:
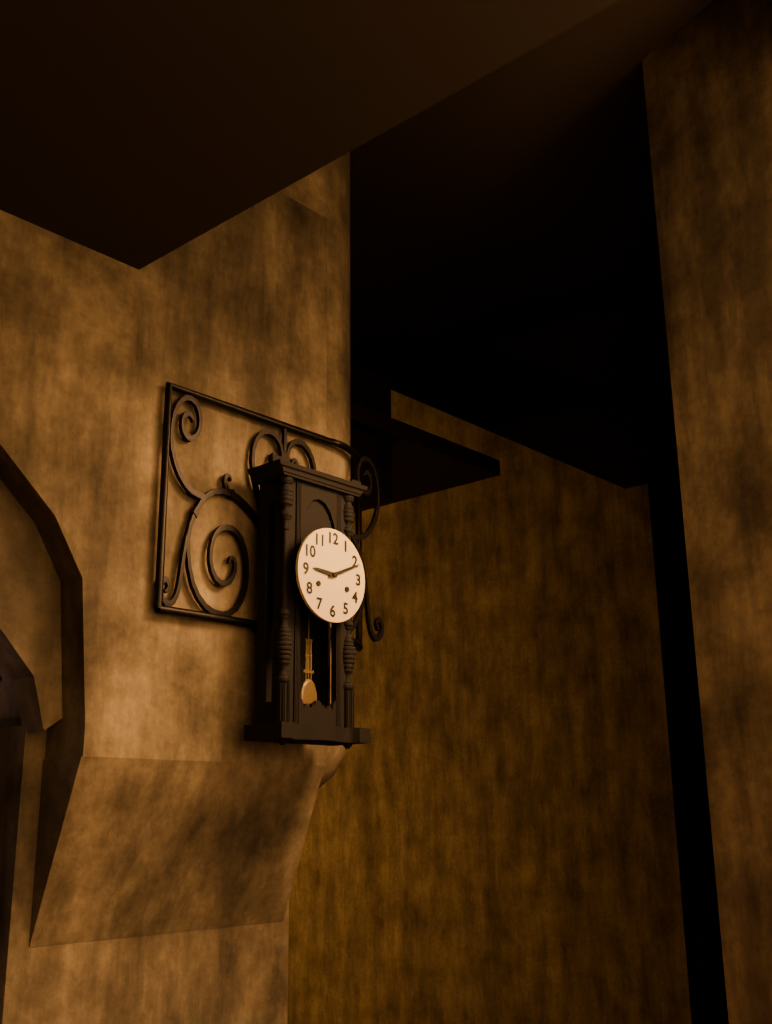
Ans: 9:11
